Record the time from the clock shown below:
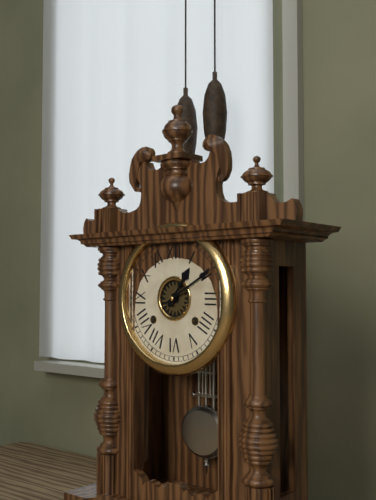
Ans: 1:10
